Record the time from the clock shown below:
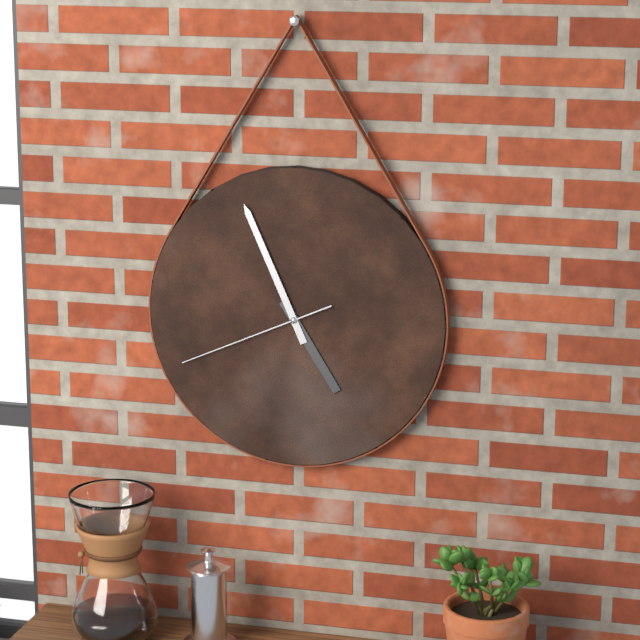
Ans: 4:56:41
